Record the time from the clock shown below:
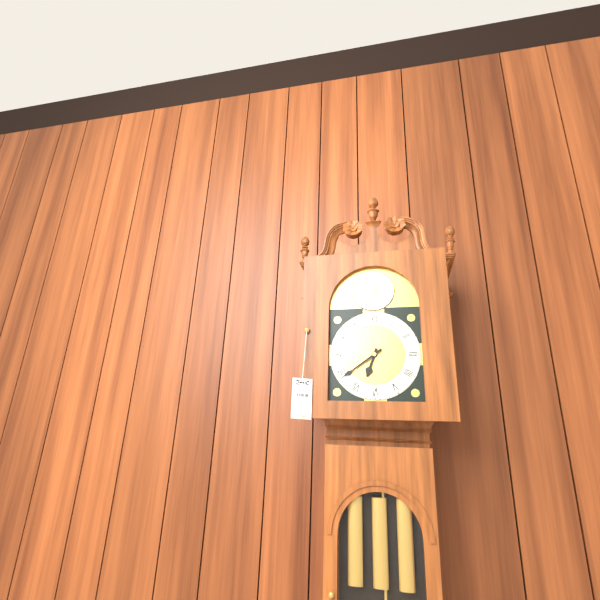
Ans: 6:39
